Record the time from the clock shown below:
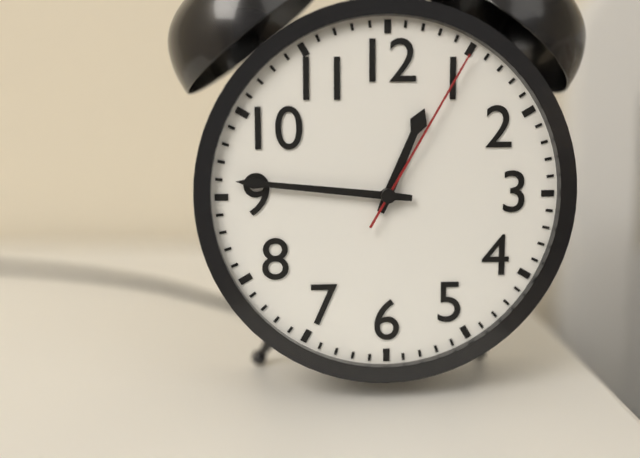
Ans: 12:46:05
